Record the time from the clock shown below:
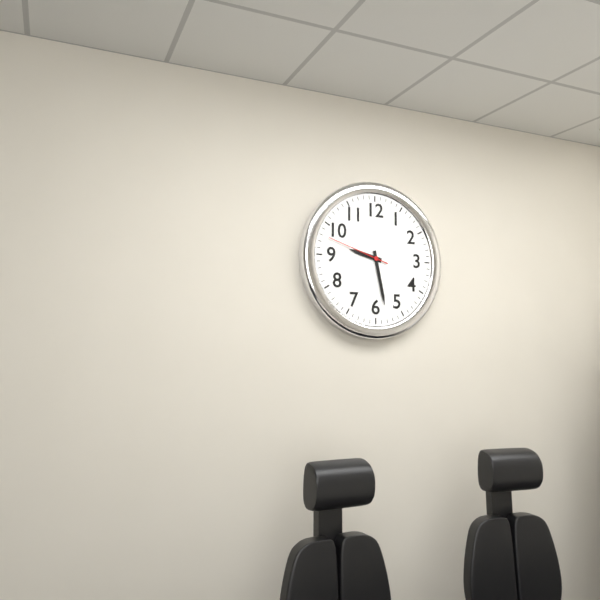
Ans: 9:28:48
